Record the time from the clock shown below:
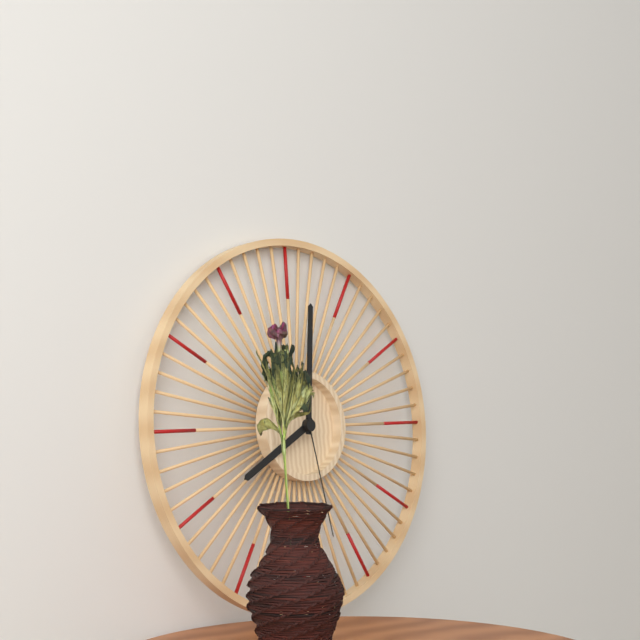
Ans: 8:01:28
